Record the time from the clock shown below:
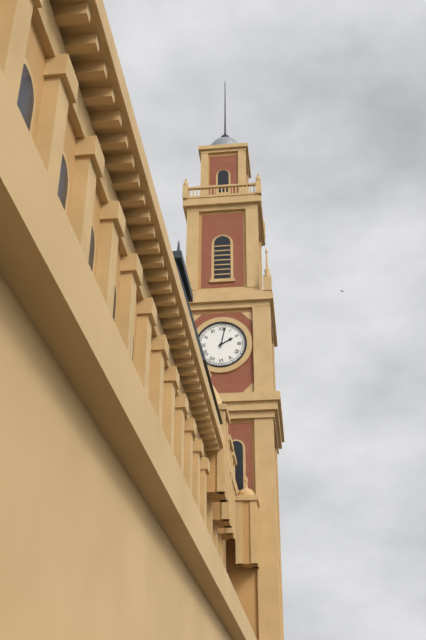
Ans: 2:02
